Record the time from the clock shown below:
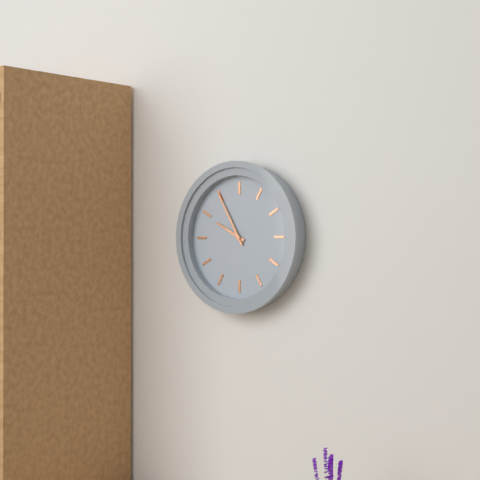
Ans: 9:55
